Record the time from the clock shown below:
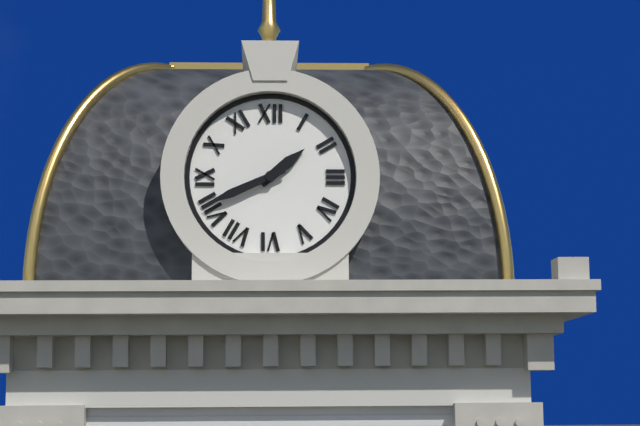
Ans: 1:41
